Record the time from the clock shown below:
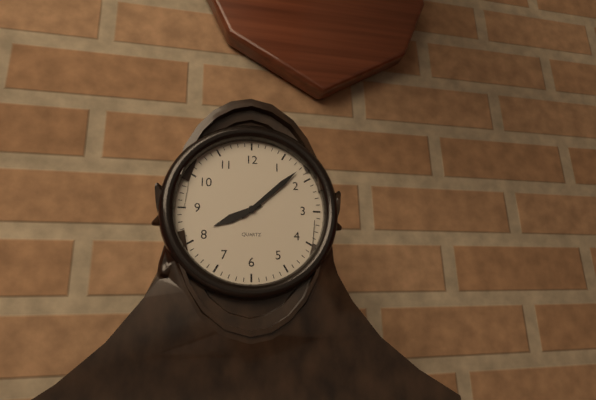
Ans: 8:08
